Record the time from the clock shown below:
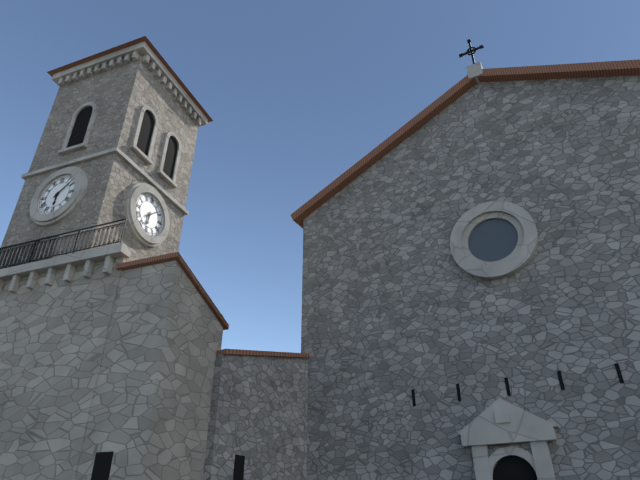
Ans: 6:08
